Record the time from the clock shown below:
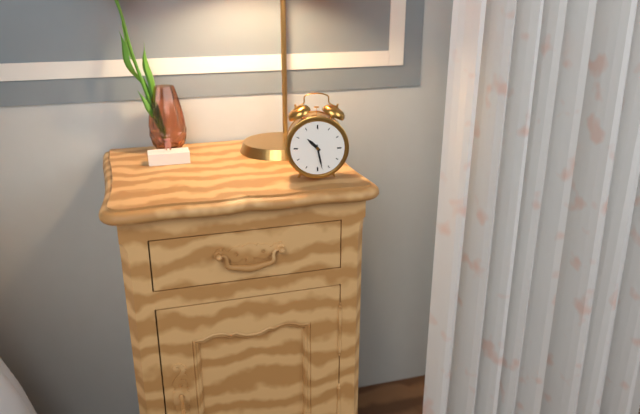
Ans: 10:28
